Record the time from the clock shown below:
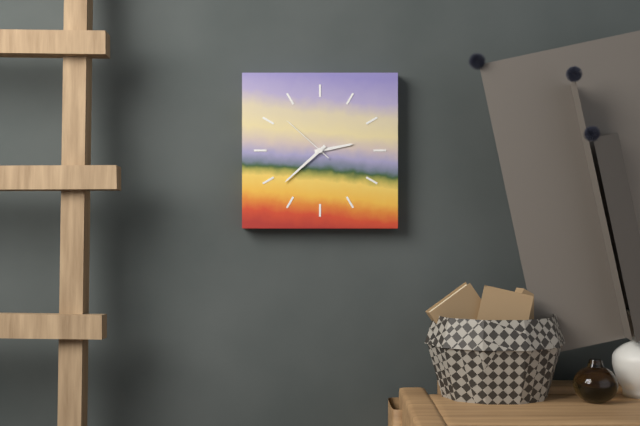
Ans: 2:38:52
